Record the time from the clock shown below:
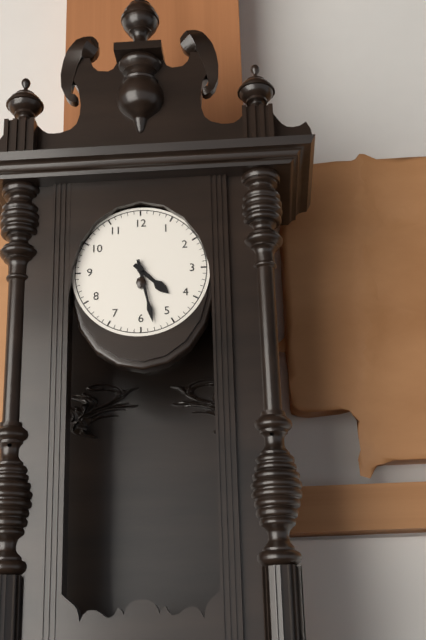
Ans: 4:28
